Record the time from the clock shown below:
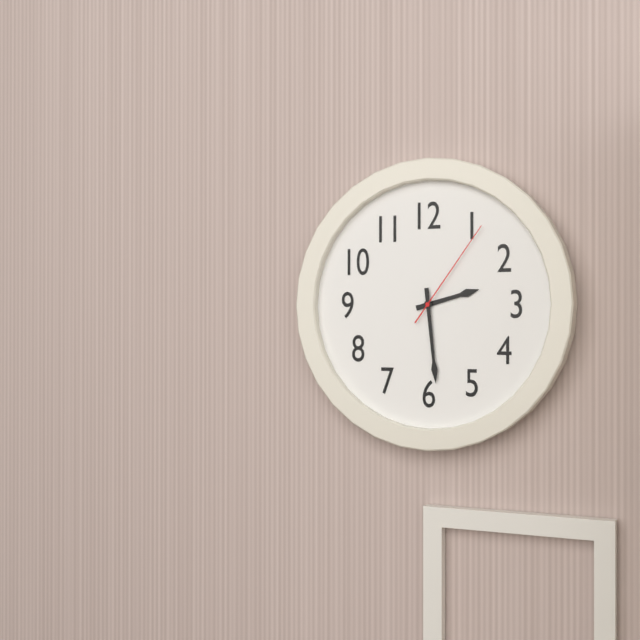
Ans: 2:29:06
